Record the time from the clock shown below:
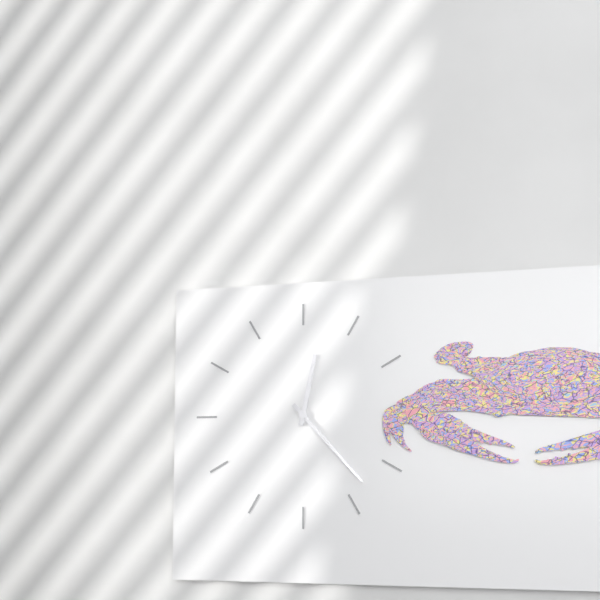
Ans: 12:23
